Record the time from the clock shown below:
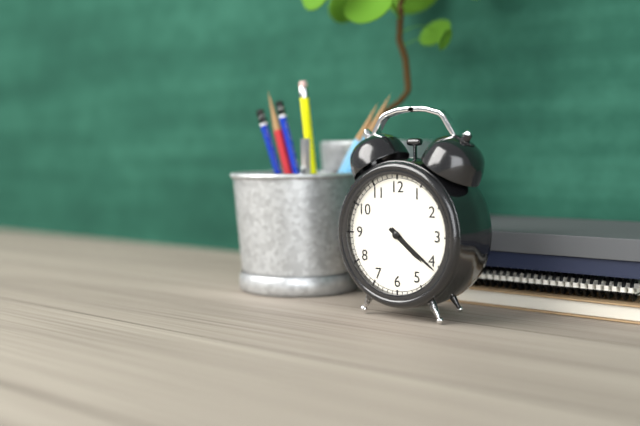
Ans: 4:21
